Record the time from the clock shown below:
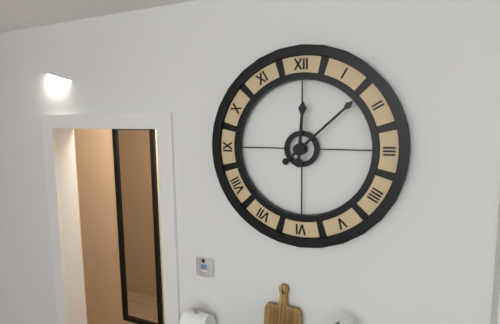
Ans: 12:08
